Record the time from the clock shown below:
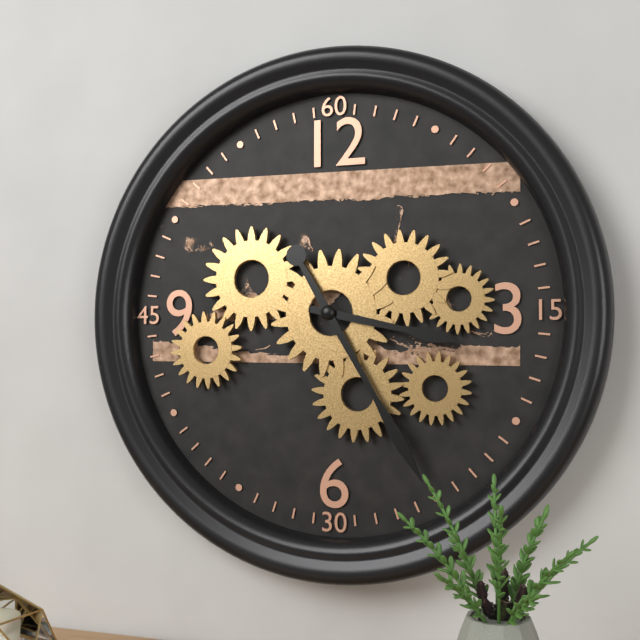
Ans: 3:25
